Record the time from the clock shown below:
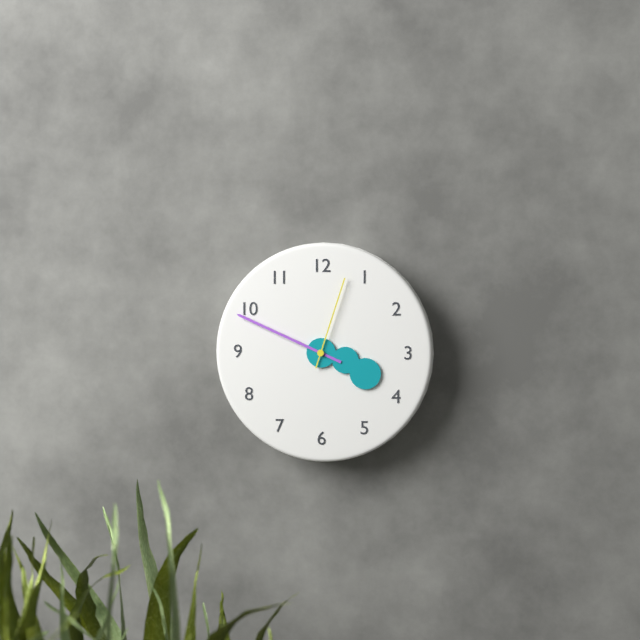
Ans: 3:49:03
